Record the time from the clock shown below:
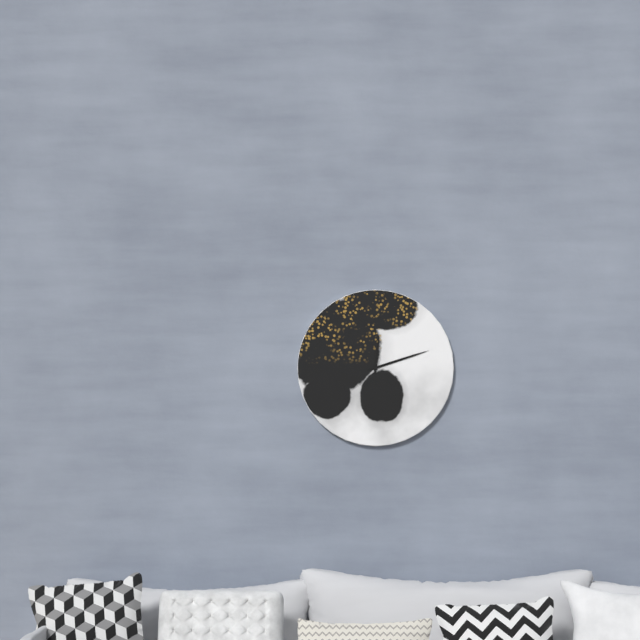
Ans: 12:12
